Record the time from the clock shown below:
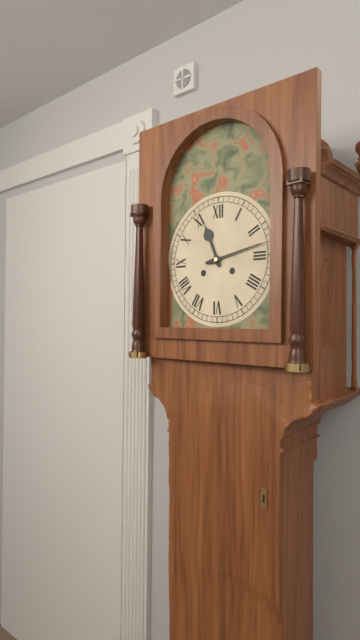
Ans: 11:13
